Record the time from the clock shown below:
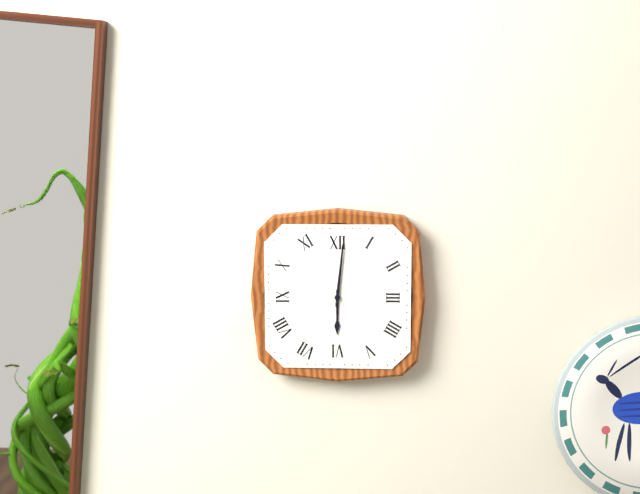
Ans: 6:01
